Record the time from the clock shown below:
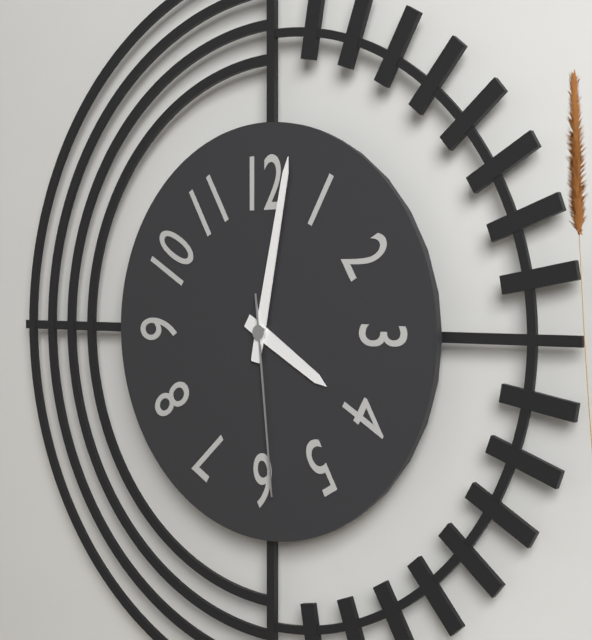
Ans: 4:02:29
